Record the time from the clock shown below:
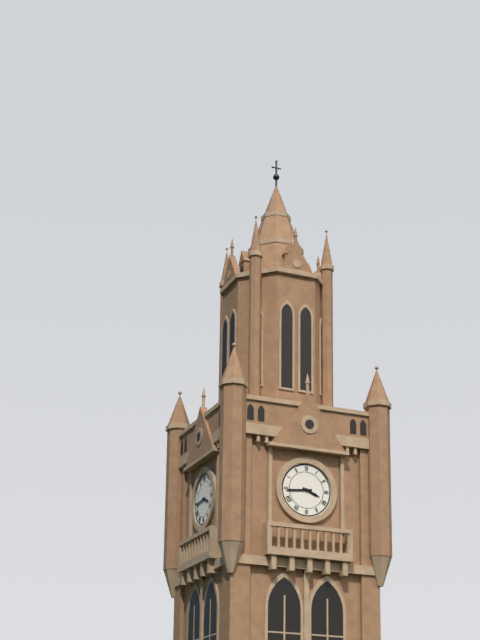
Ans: 3:44
